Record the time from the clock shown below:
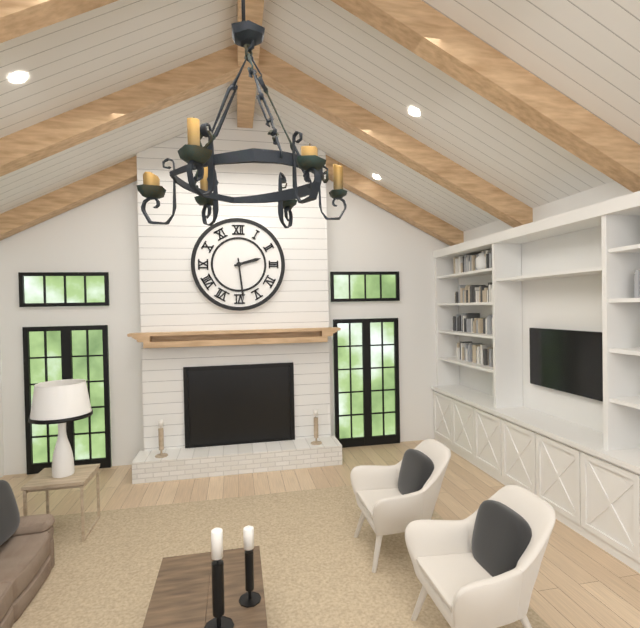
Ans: 2:29
